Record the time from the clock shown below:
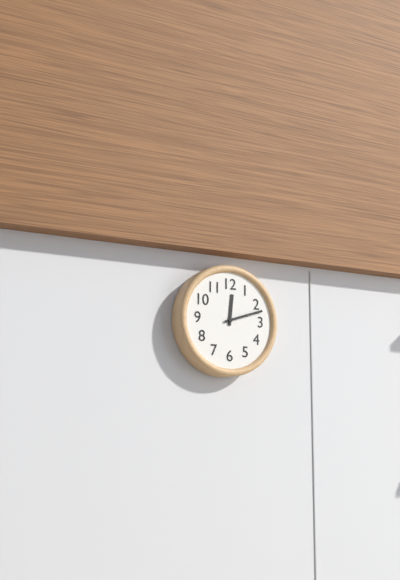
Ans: 12:12
